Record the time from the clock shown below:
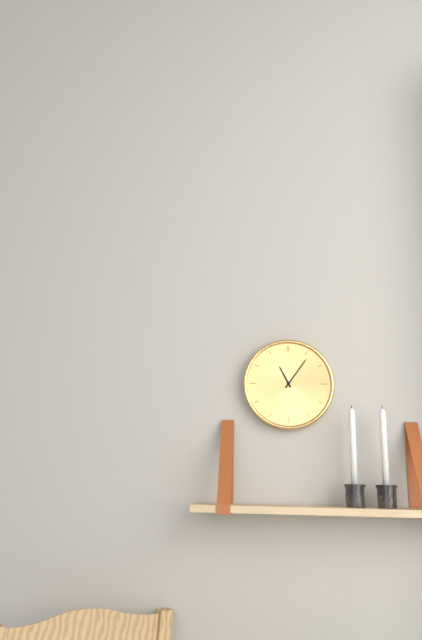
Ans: 11:06
